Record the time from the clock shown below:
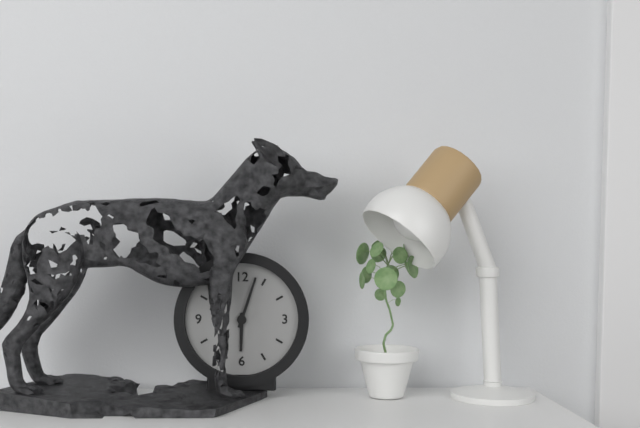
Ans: 6:03
